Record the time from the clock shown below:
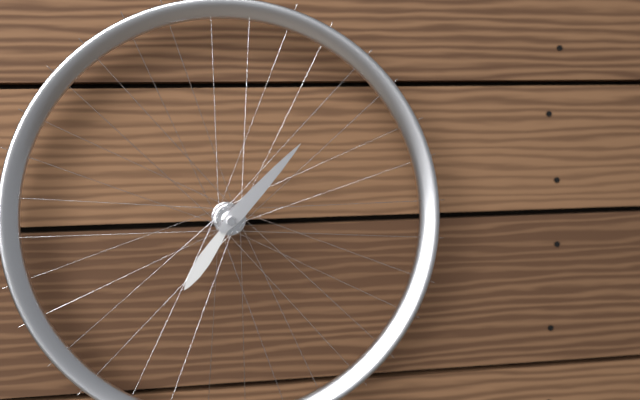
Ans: 7:07
